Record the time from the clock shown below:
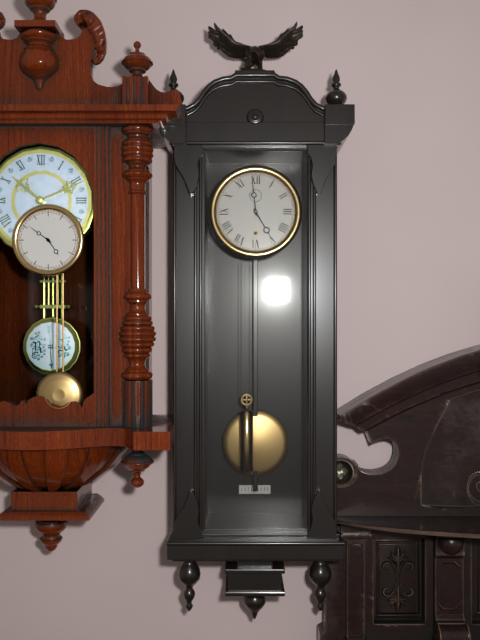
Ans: 4:59
